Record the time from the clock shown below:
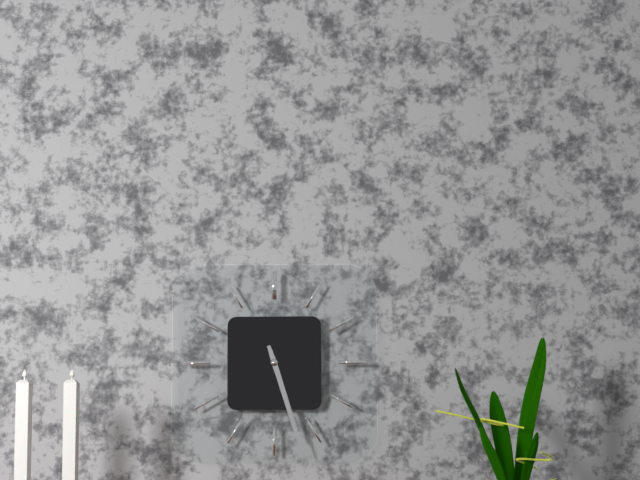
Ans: 5:27
